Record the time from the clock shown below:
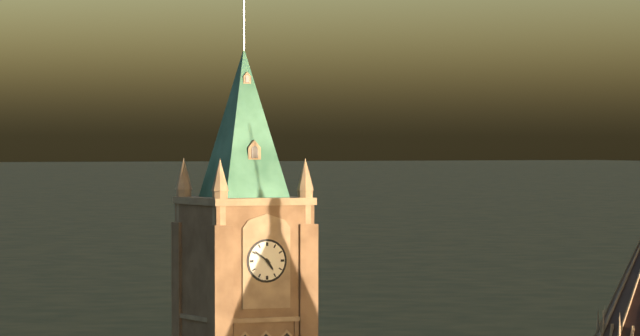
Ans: 4:51
